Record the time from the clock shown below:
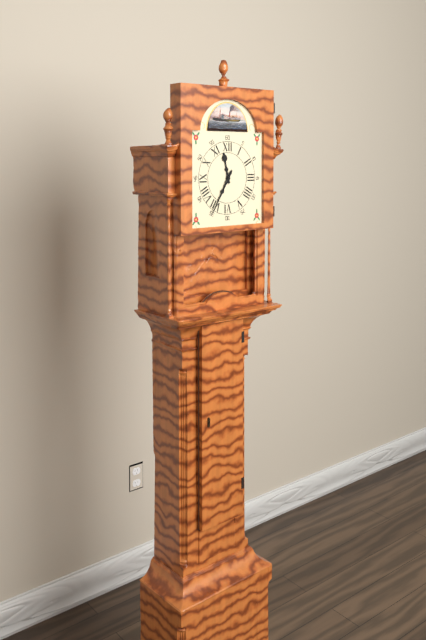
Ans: 11:35
